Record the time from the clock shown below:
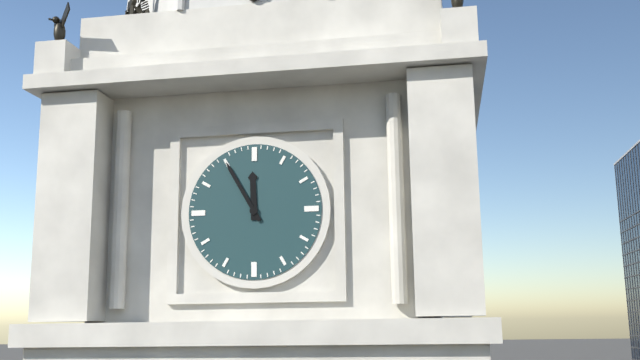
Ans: 11:55
